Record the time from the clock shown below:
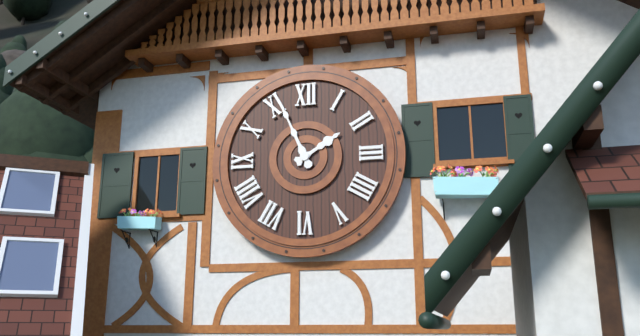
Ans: 1:56
